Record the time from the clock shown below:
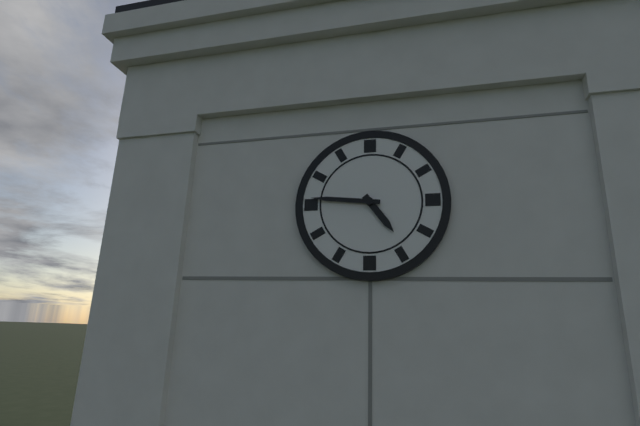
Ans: 4:46
